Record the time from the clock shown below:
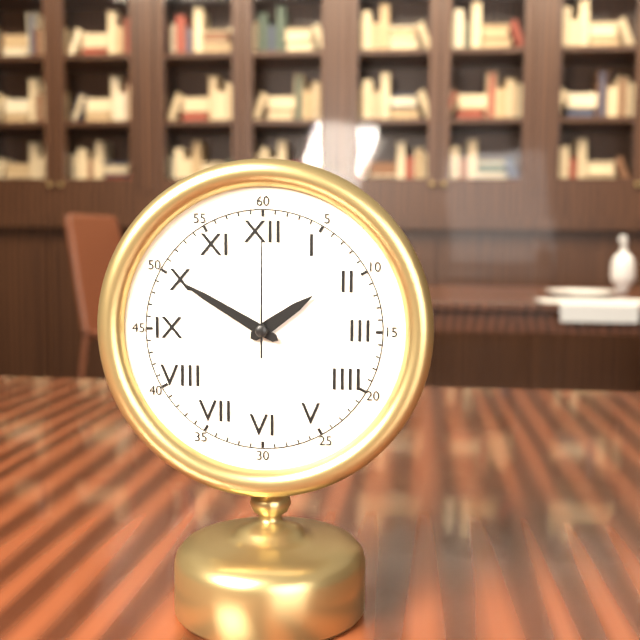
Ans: 1:50:00
